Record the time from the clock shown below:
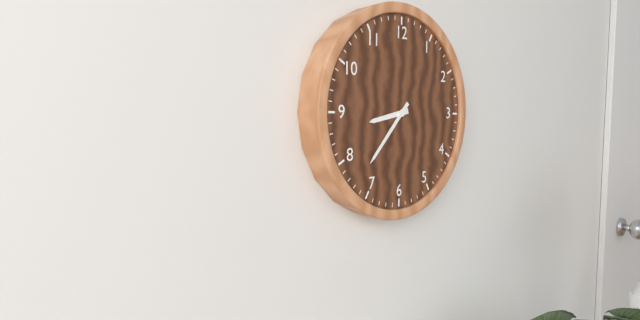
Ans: 8:37
